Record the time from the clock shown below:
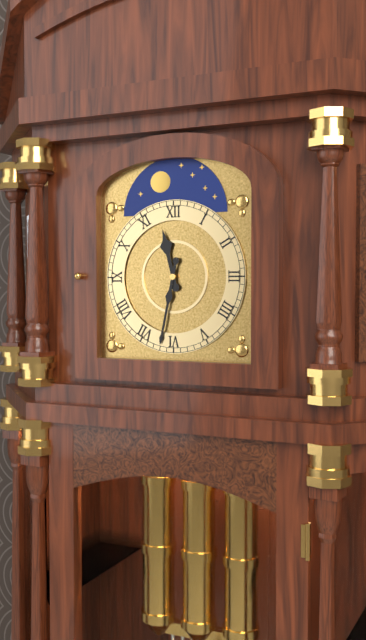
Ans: 11:32
